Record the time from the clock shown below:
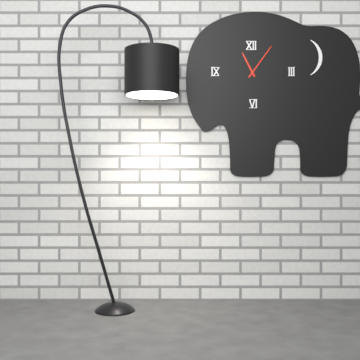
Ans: 11:06
